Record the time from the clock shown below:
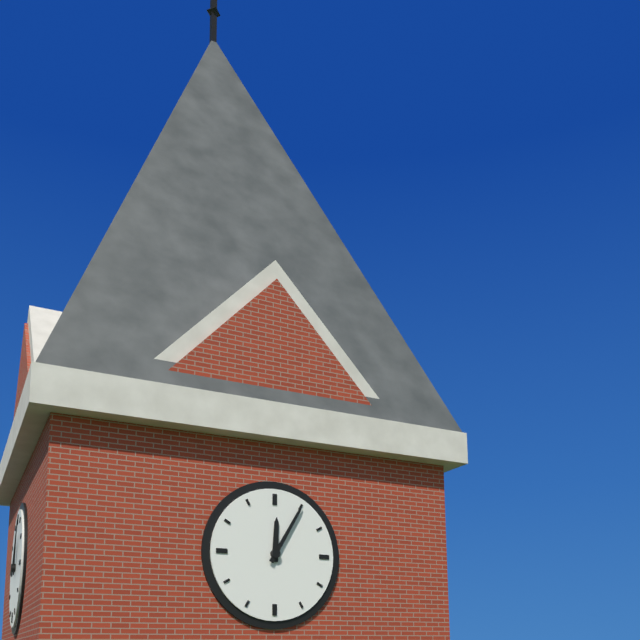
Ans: 12:05
